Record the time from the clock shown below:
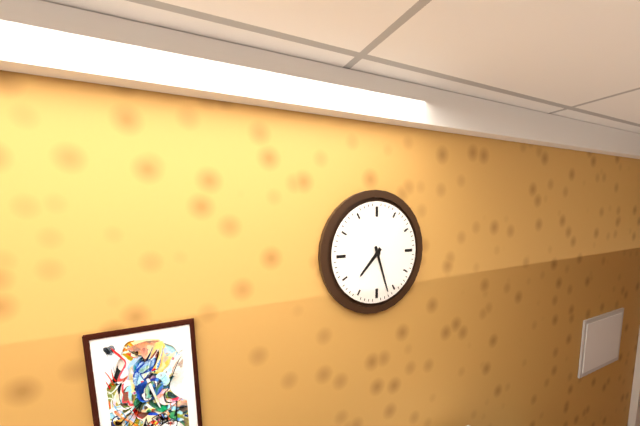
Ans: 7:27
